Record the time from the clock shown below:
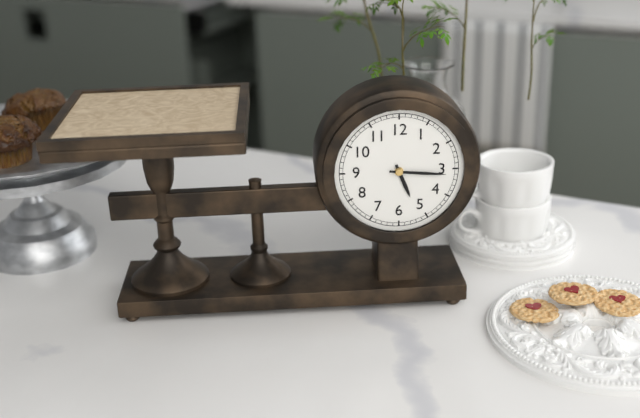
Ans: 5:16
